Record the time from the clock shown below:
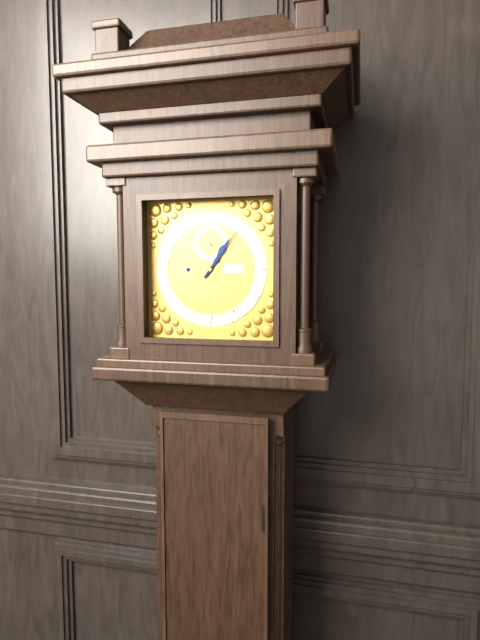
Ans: 1:06
